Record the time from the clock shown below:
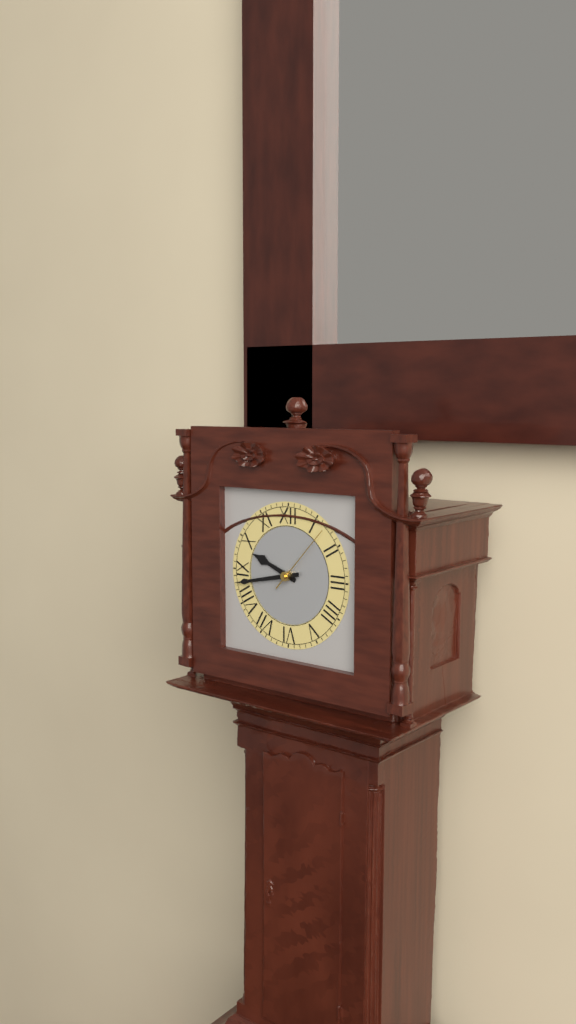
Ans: 9:43:07
